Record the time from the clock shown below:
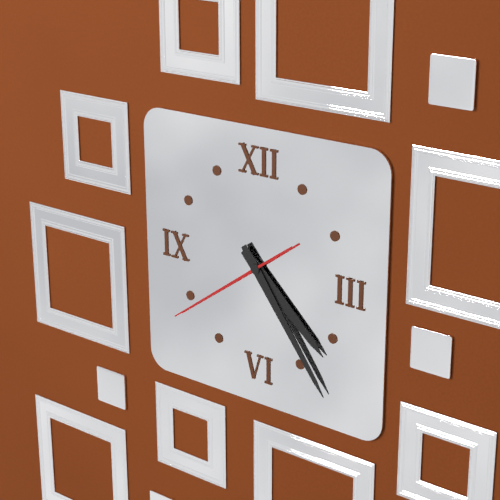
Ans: 4:24:39
